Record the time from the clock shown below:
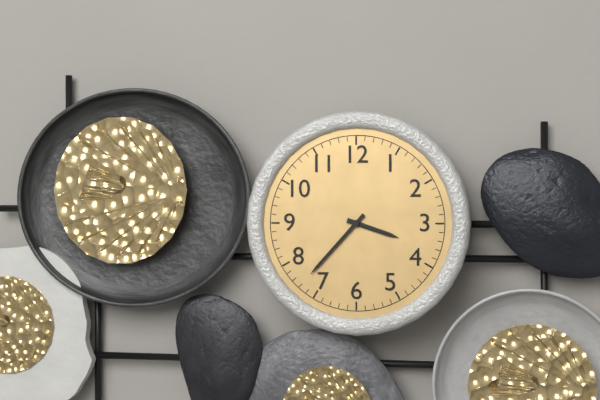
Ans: 3:37
